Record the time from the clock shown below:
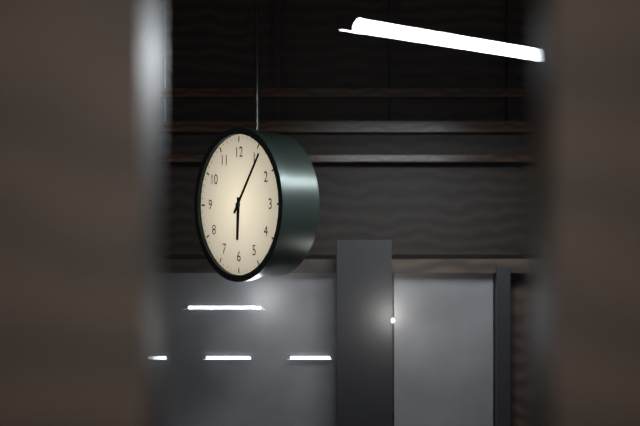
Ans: 6:06
